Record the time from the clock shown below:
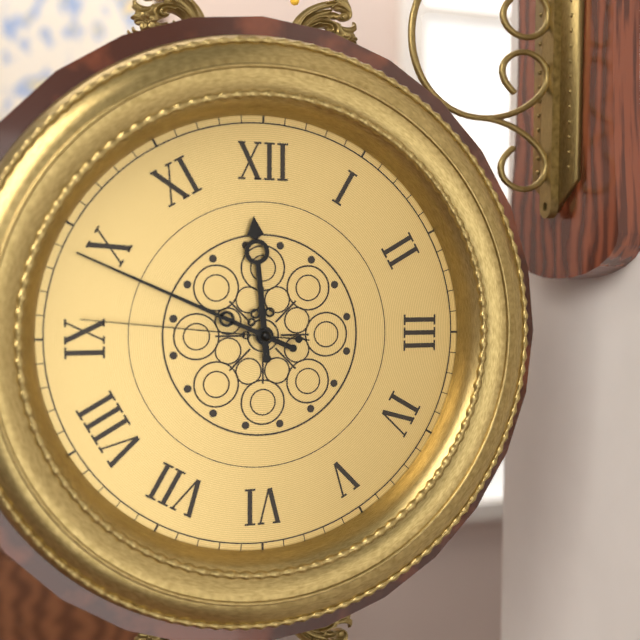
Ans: 11:49:46
